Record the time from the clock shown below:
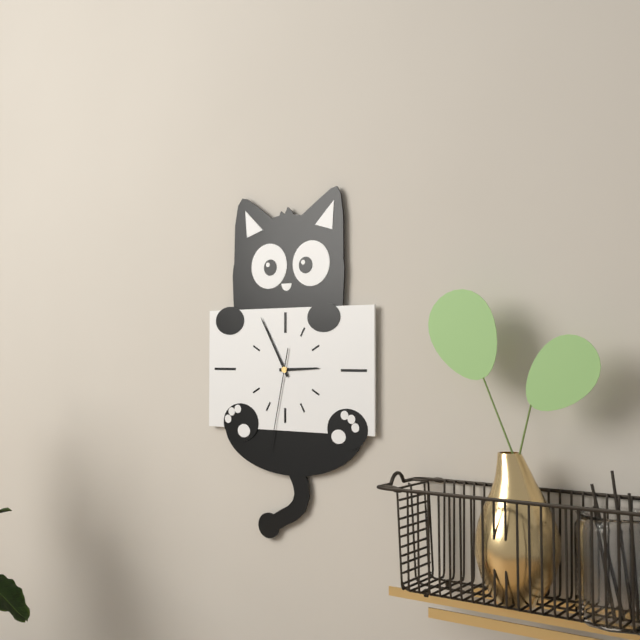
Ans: 2:55:32
